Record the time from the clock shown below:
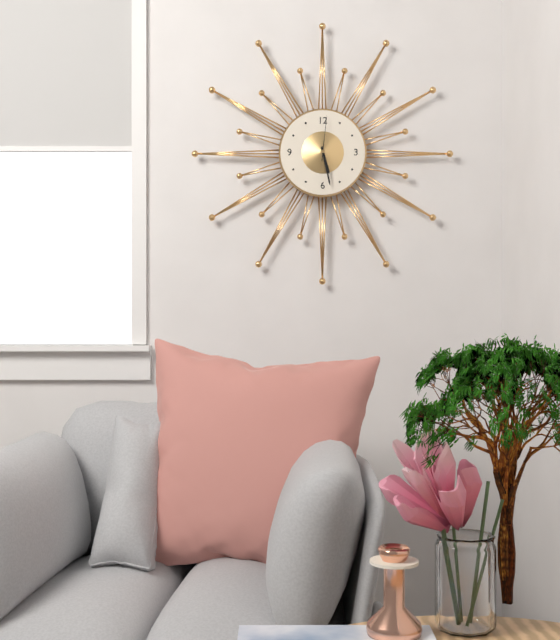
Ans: 5:28
